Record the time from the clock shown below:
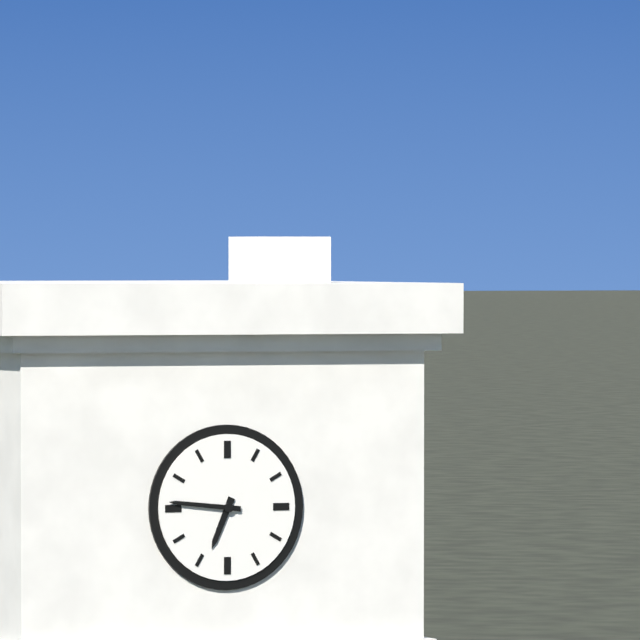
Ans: 6:46
